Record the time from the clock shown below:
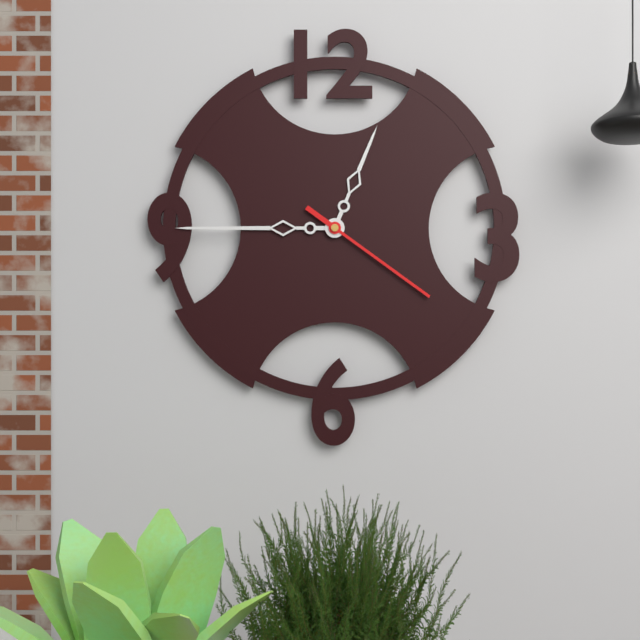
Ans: 12:45:21
